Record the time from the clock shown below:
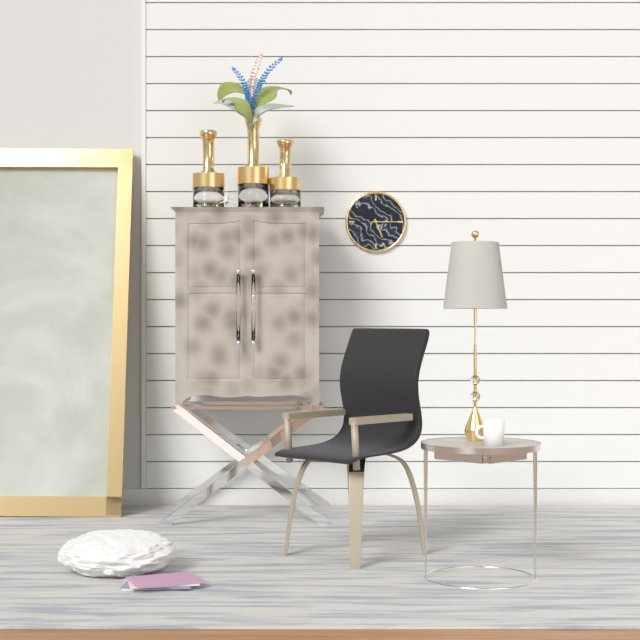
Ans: 5:15
